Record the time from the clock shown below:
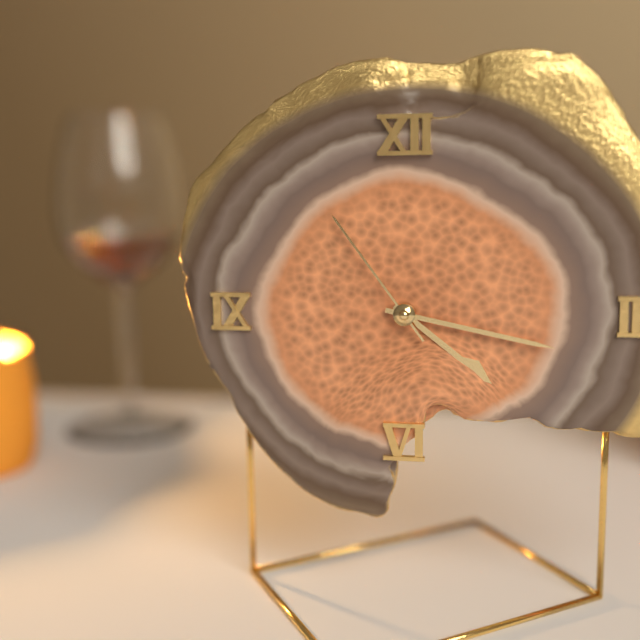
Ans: 4:17:54
